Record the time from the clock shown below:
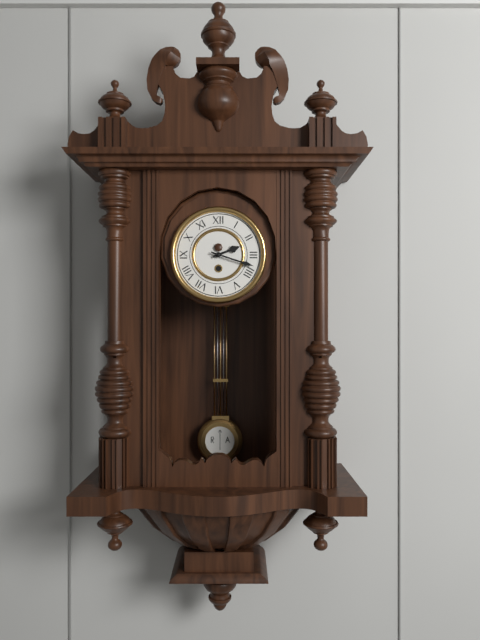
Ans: 2:18
